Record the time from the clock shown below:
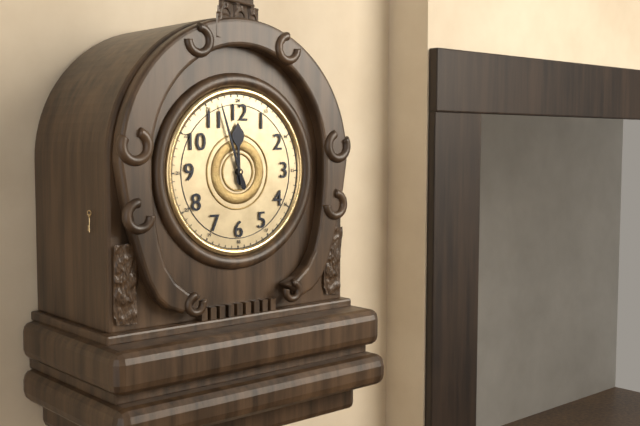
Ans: 11:57
